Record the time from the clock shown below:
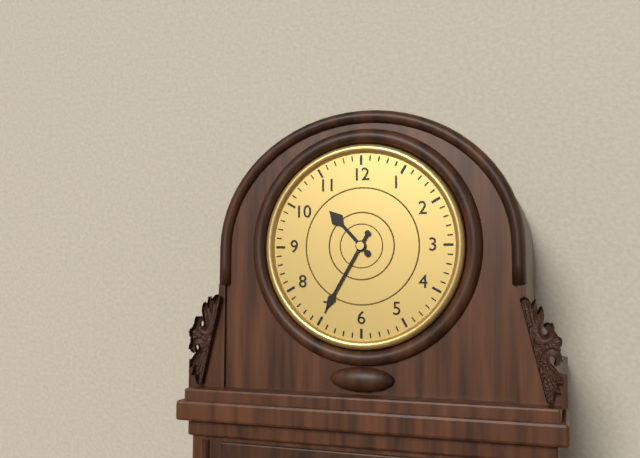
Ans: 10:35
